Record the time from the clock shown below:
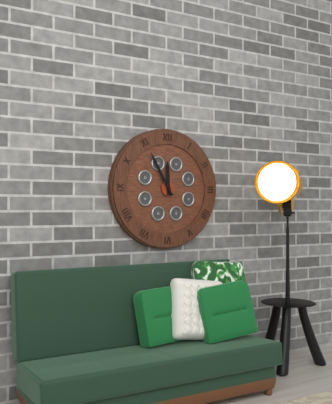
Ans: 11:55
